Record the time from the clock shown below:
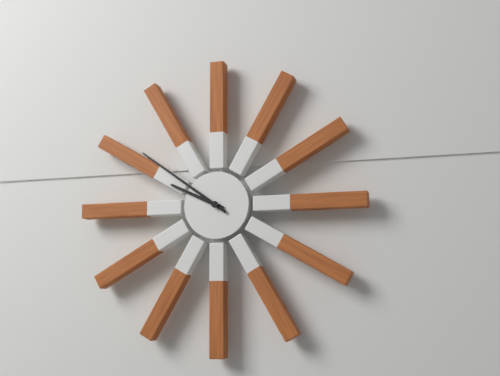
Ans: 9:51
